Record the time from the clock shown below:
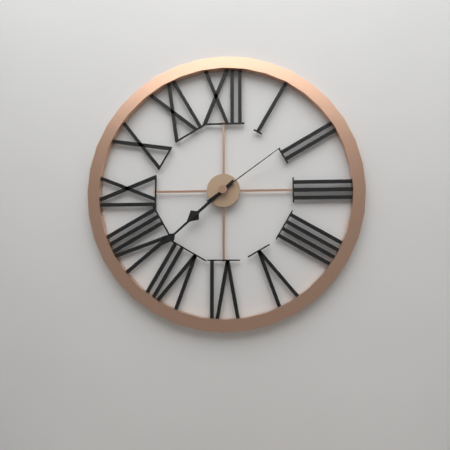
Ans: 7:38:09
